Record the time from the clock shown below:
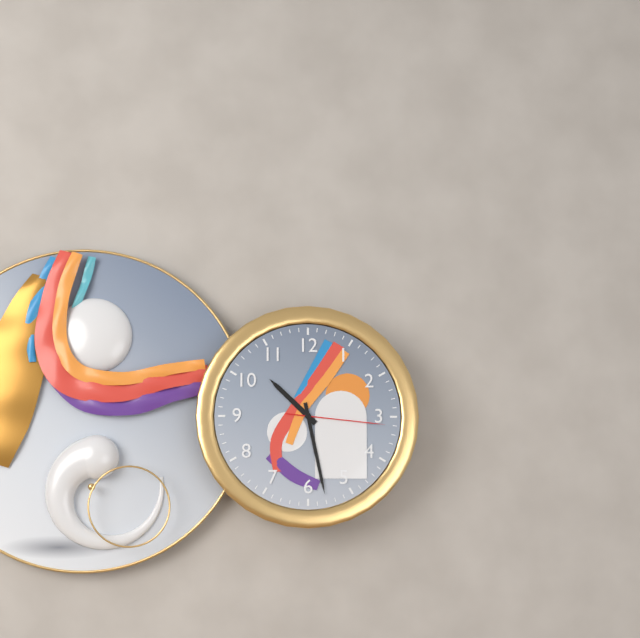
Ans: 10:28:16
